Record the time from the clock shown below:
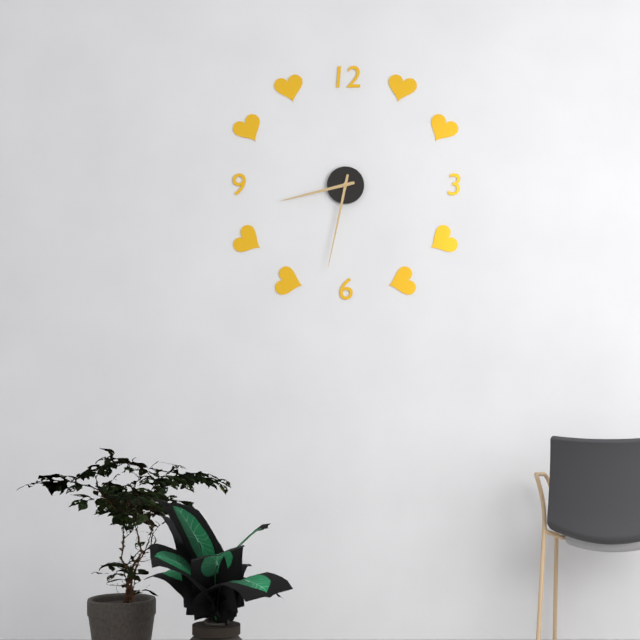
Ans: 8:32
